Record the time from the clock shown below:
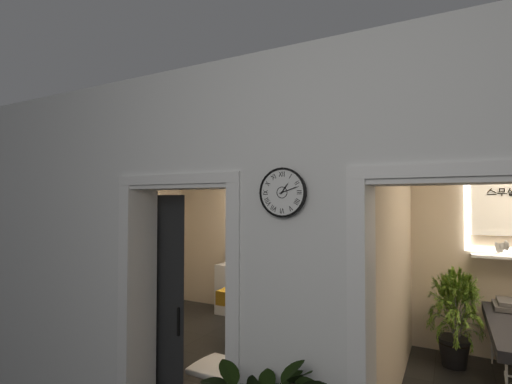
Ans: 1:12
